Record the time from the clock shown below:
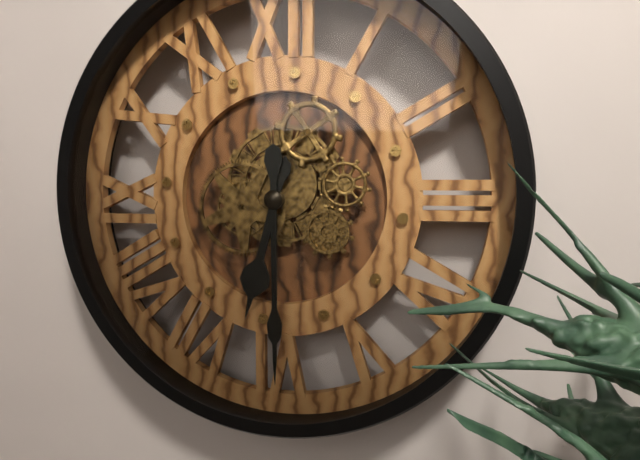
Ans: 6:30
